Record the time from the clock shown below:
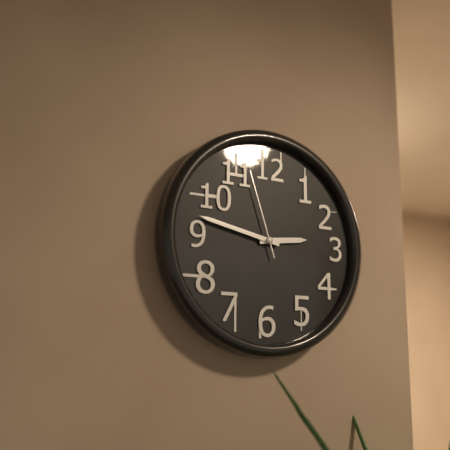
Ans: 2:47:57
